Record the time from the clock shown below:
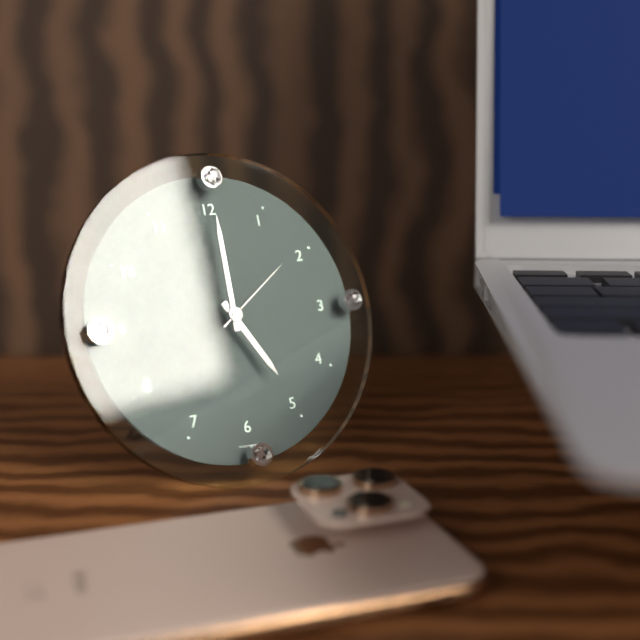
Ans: 5:00:09
